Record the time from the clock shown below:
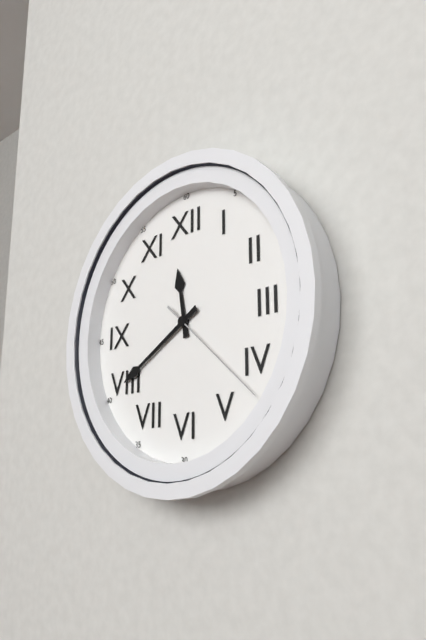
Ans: 11:40:22
